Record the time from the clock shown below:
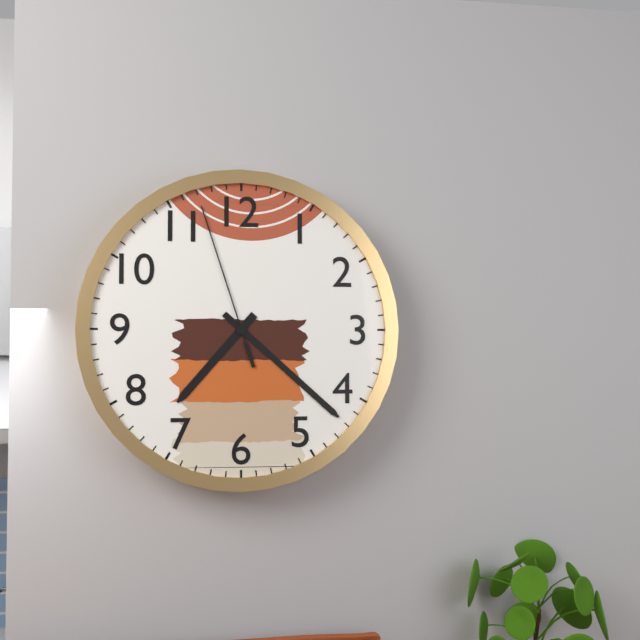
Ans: 7:22:57
